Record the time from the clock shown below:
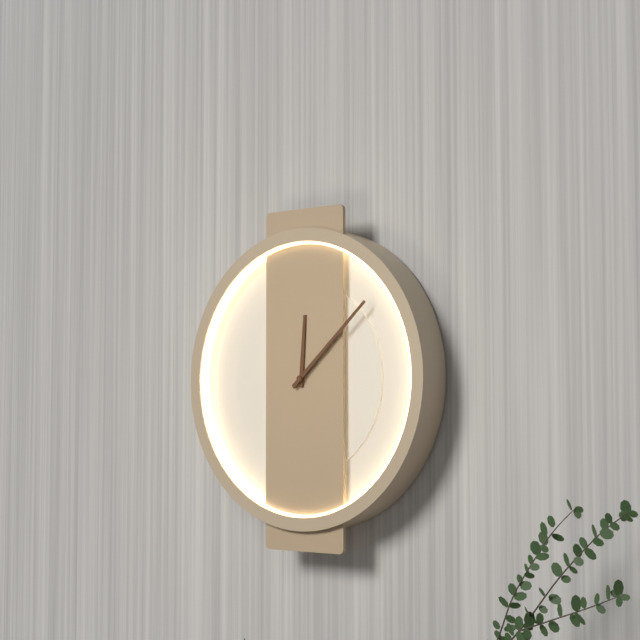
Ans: 12:08
